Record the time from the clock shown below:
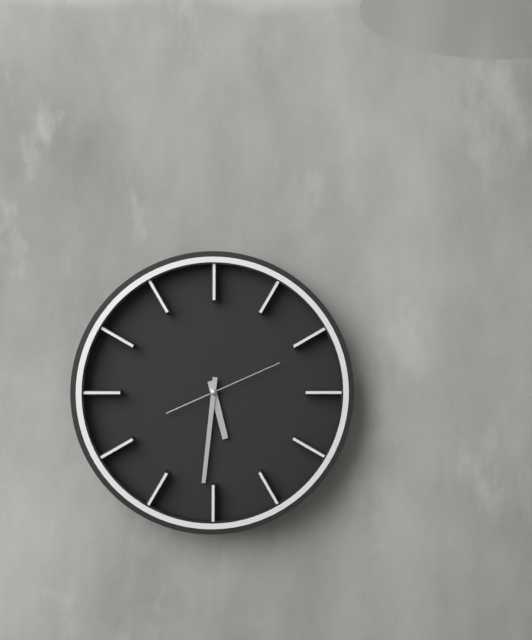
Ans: 5:31:11
